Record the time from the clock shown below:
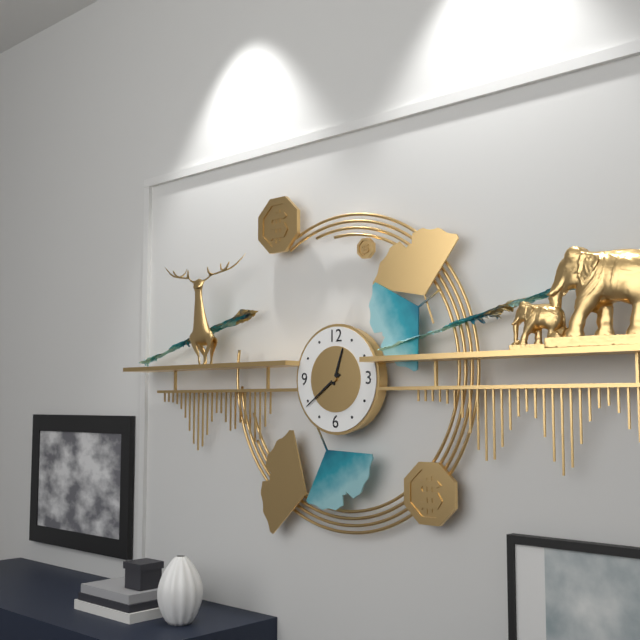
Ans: 12:39
